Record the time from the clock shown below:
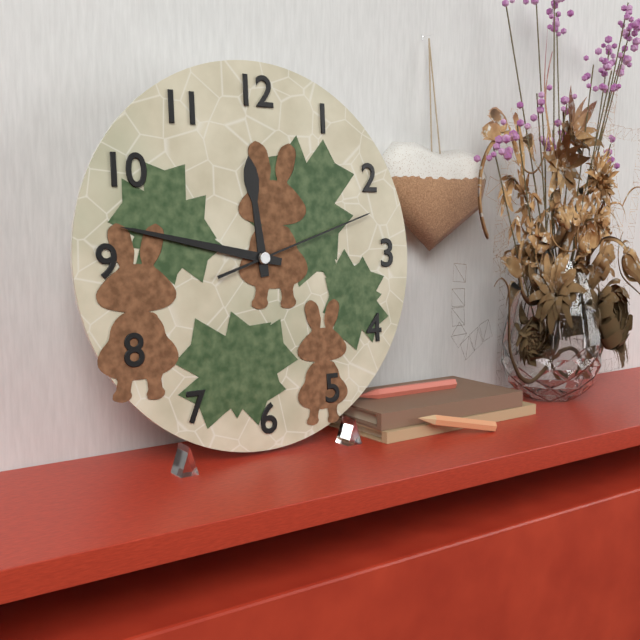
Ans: 11:47:12
